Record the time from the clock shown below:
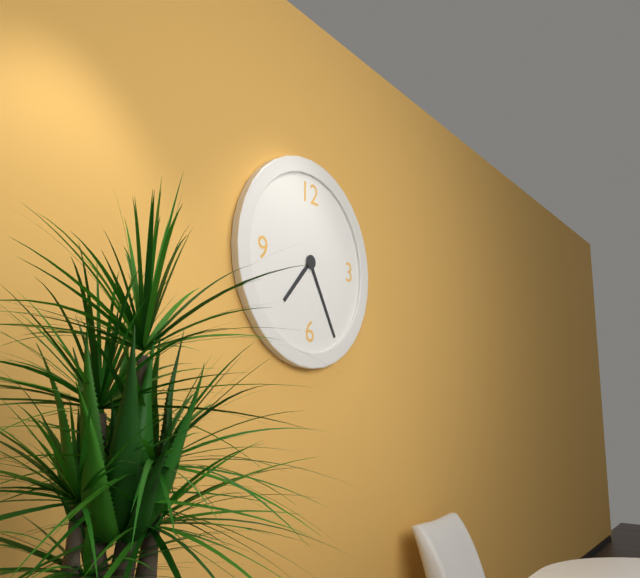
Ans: 7:25
